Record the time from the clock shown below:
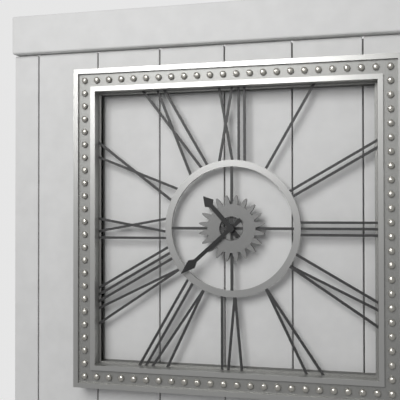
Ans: 10:38
